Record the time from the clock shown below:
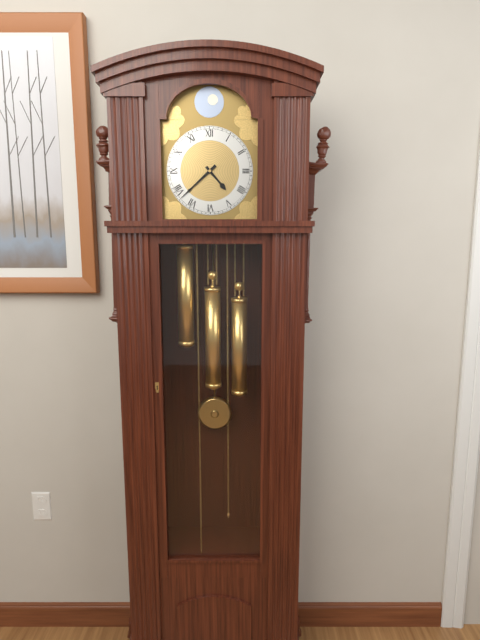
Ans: 4:38
